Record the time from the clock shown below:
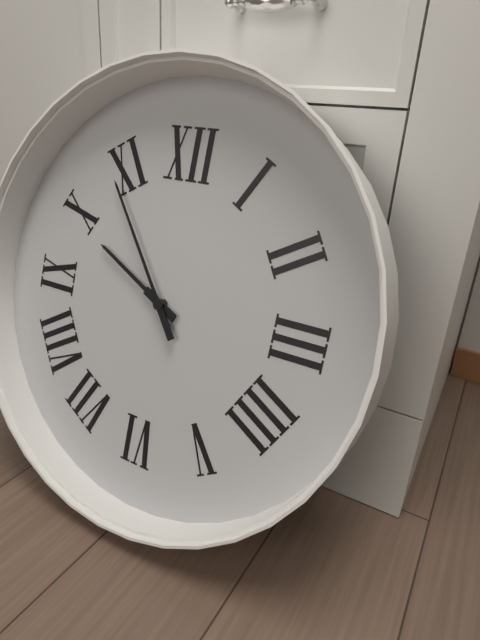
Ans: 9:54
